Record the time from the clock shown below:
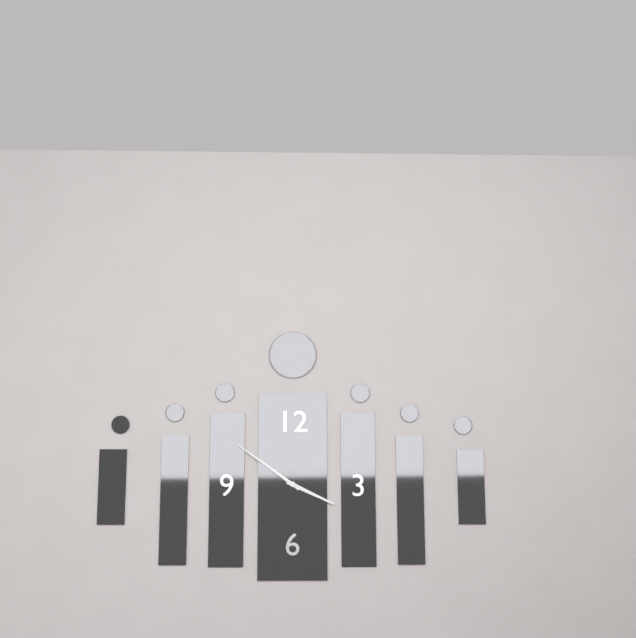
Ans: 3:51
